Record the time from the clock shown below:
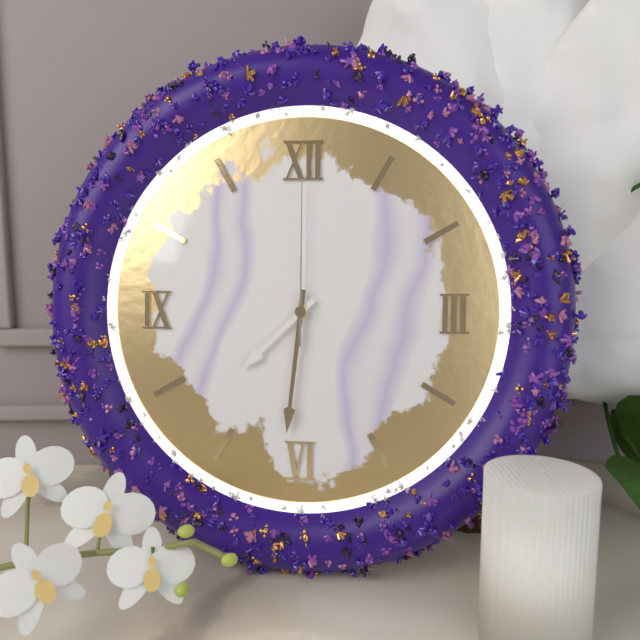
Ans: 7:31:00
